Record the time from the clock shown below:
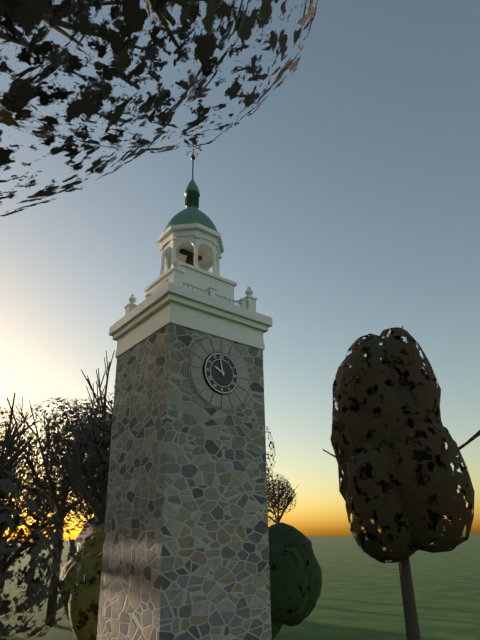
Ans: 9:58
